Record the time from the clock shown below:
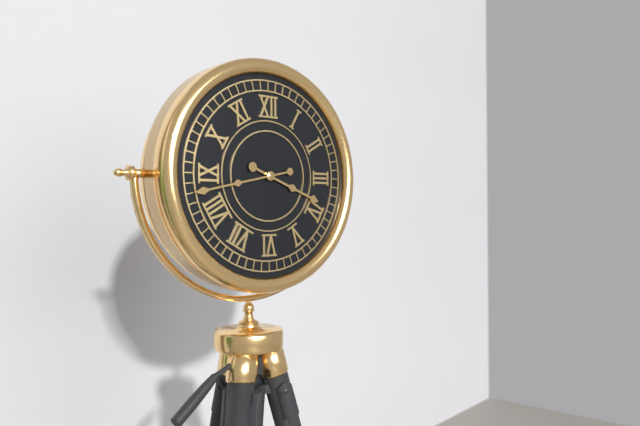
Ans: 3:43
